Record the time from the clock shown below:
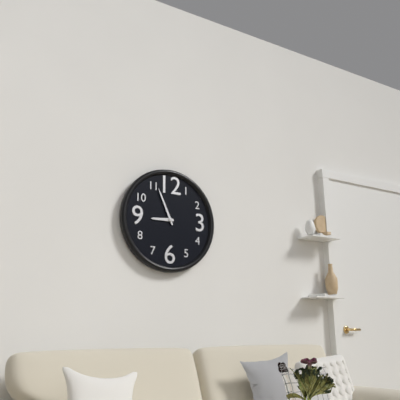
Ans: 8:56
